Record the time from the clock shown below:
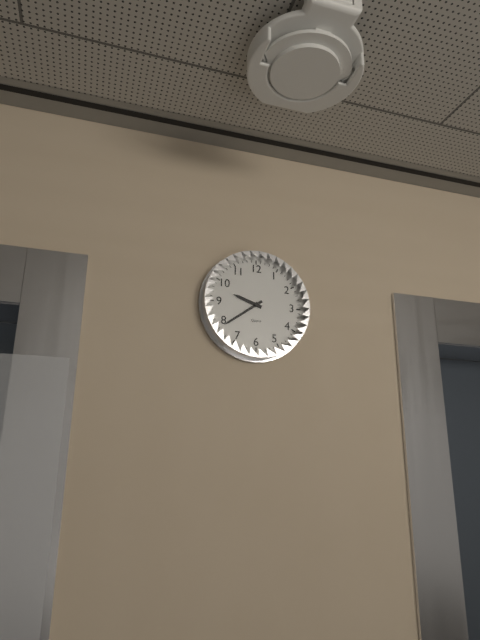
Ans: 9:39
